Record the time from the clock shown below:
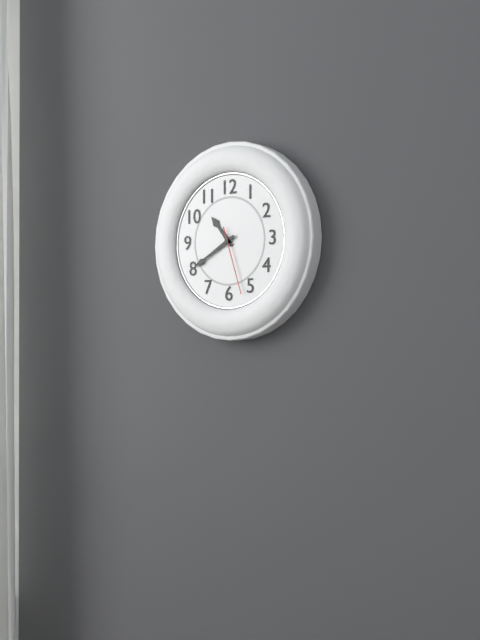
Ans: 10:40:27
